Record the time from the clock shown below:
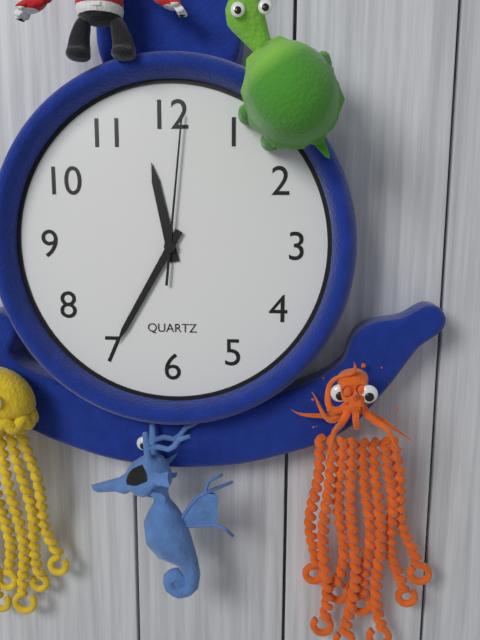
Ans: 11:35:01
